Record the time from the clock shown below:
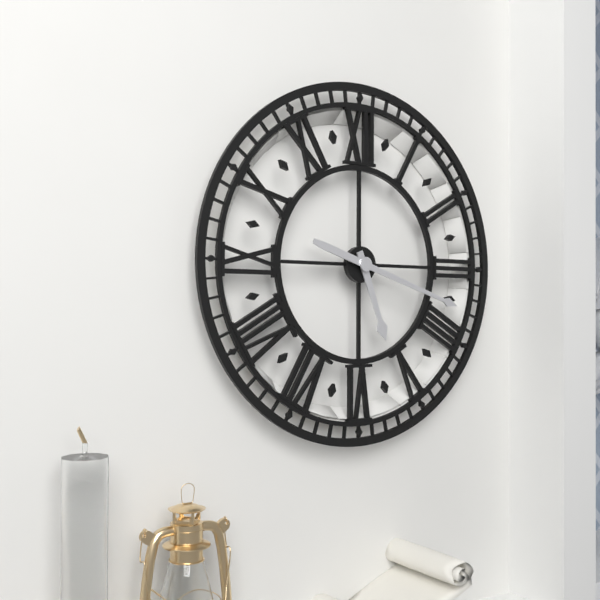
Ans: 5:18
